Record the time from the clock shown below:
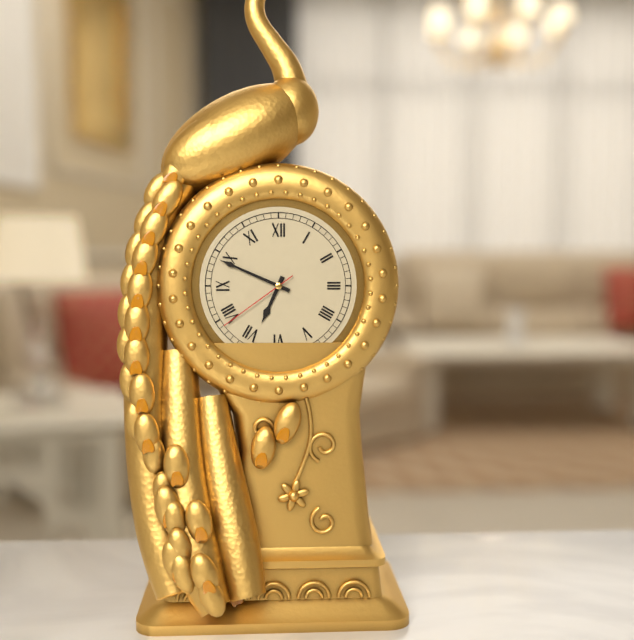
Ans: 6:49:39
